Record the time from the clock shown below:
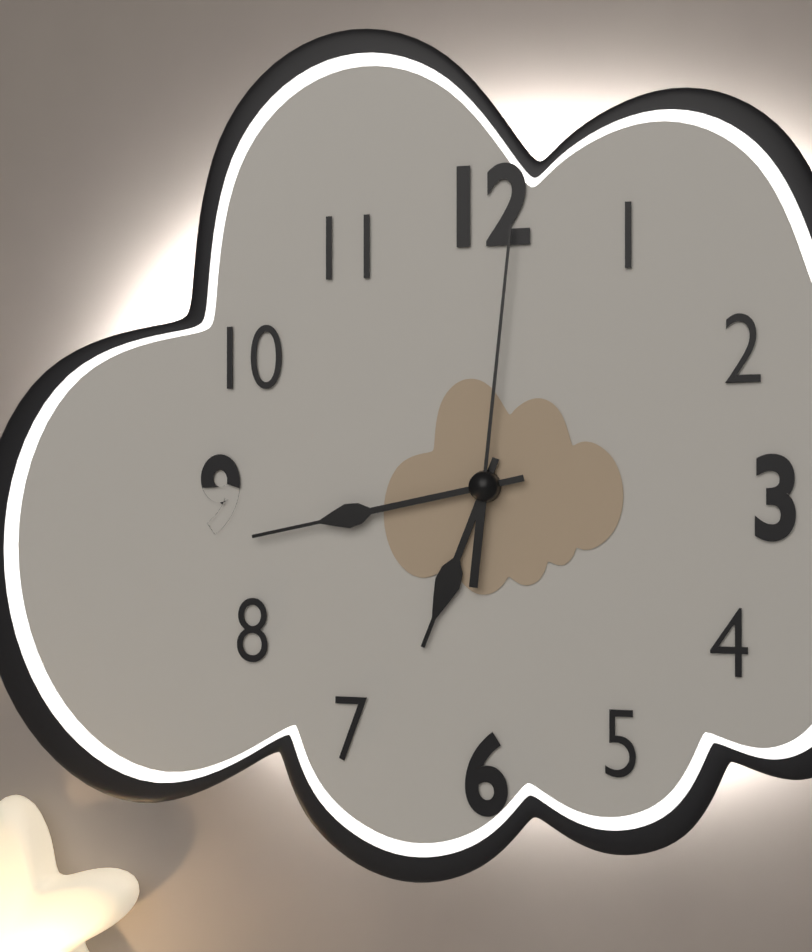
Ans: 6:43:01
